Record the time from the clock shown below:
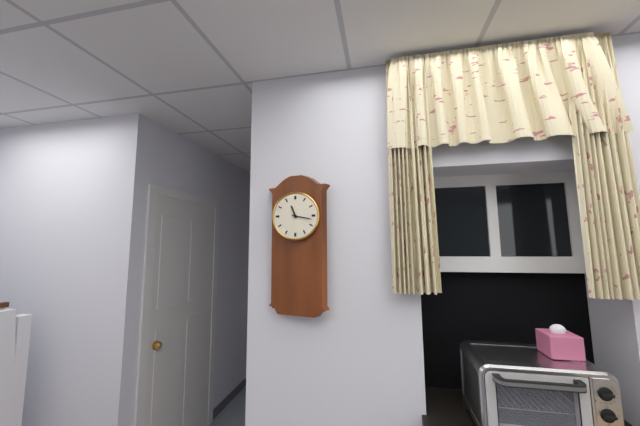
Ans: 11:17
